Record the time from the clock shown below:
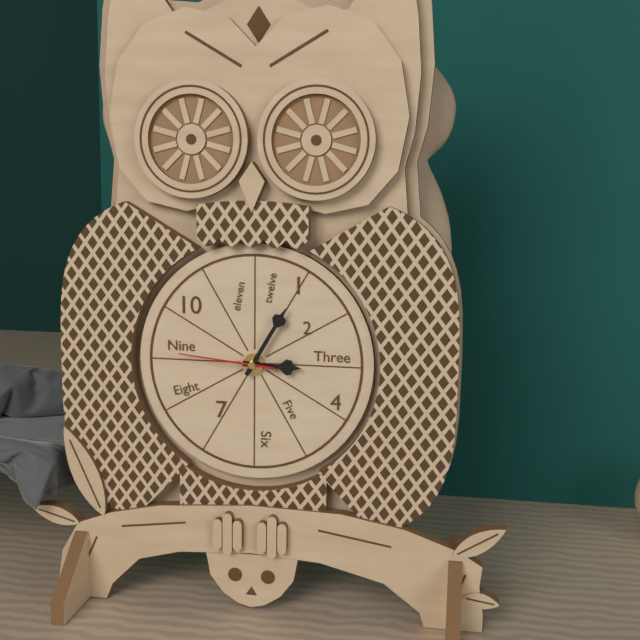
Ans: 3:05:46
